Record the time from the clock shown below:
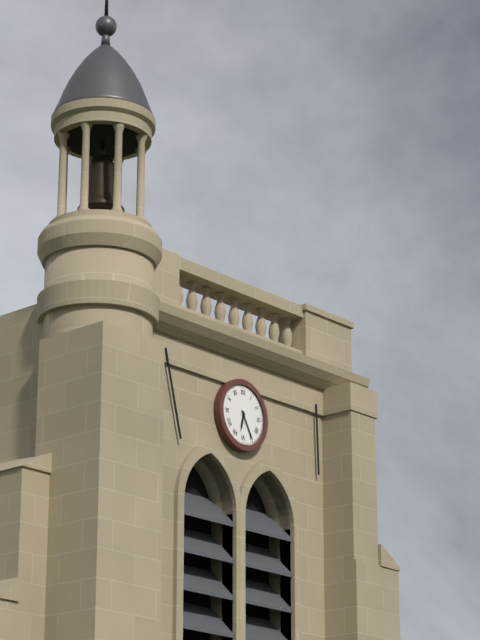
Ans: 6:25
